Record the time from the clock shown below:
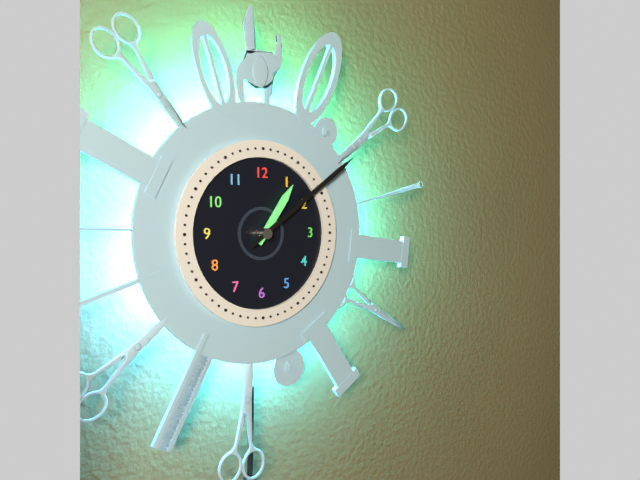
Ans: 1:09
